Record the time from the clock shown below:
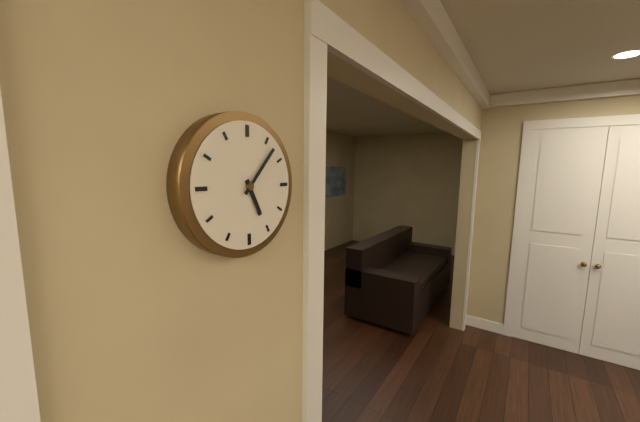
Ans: 5:07
